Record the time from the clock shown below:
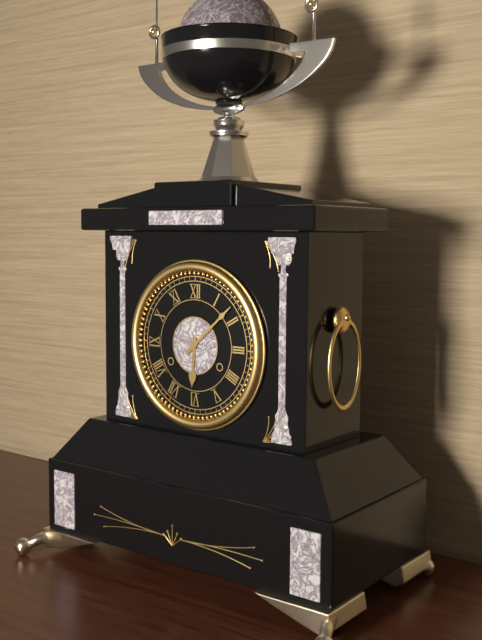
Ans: 6:08
